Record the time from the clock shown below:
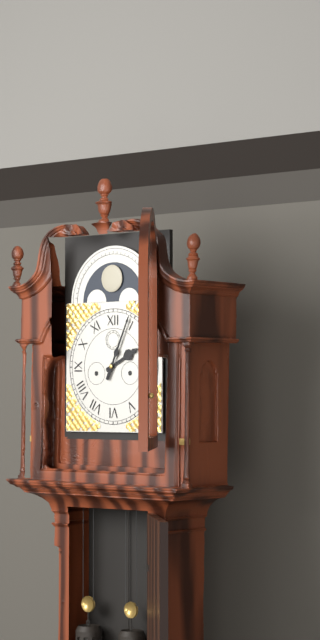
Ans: 2:04
